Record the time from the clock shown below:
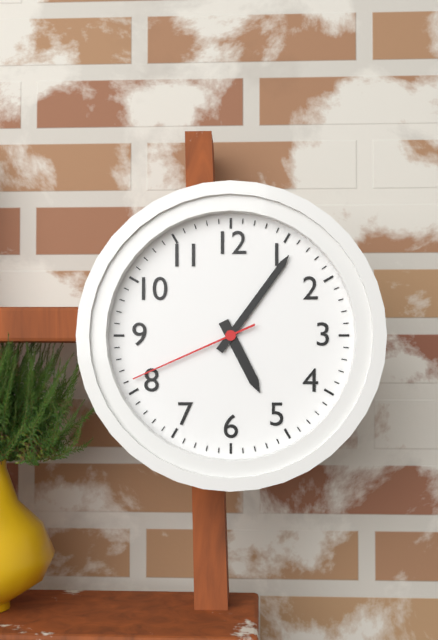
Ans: 5:06:41
